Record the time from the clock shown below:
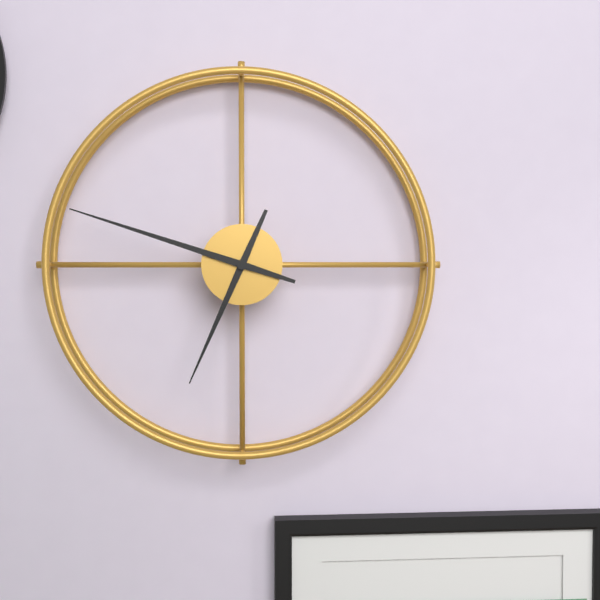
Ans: 6:48
